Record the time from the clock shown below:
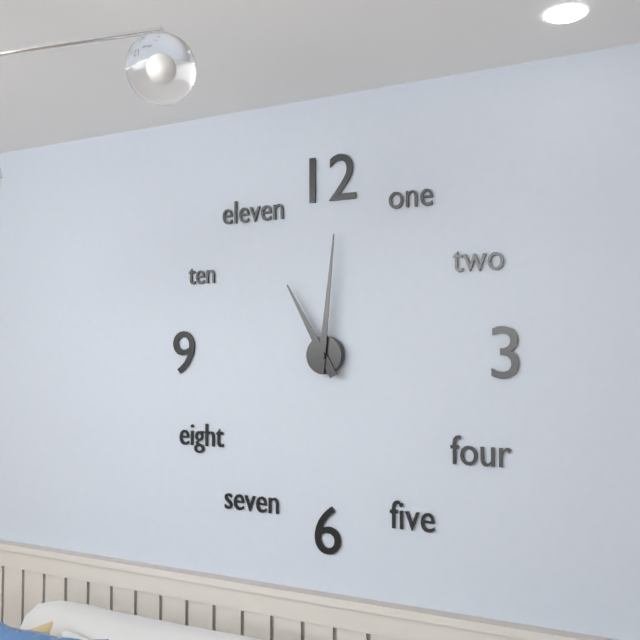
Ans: 11:01
